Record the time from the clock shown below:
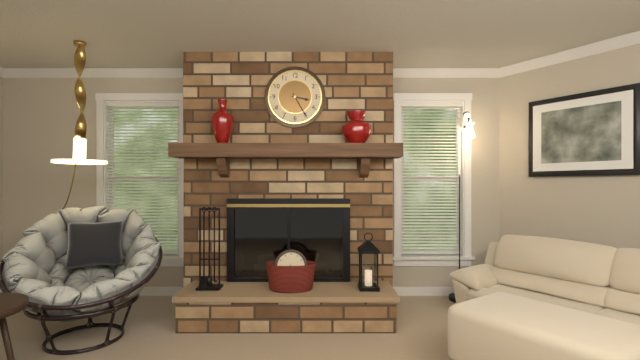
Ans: 3:25
